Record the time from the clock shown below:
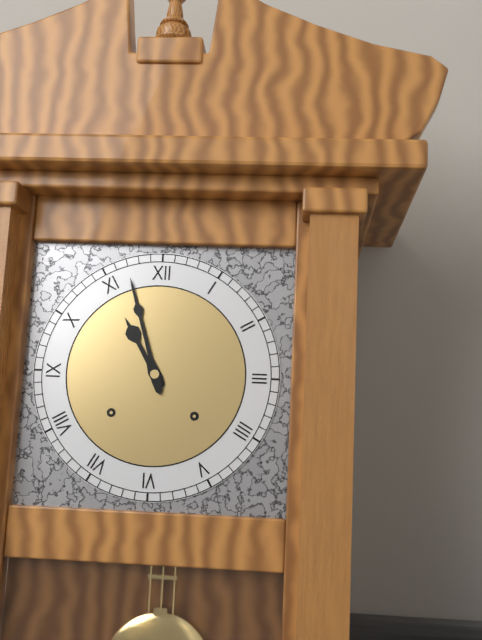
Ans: 10:57
